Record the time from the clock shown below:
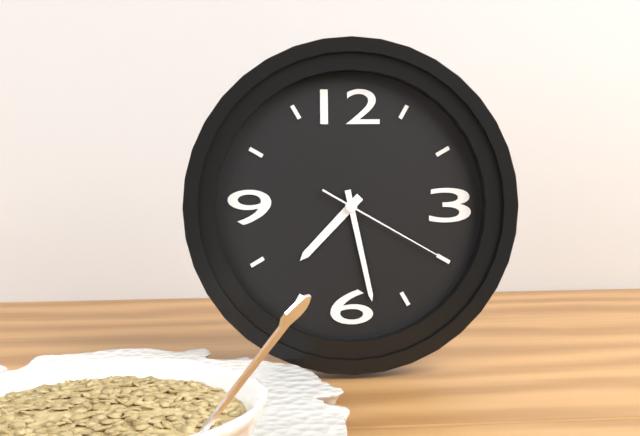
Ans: 7:28:20
